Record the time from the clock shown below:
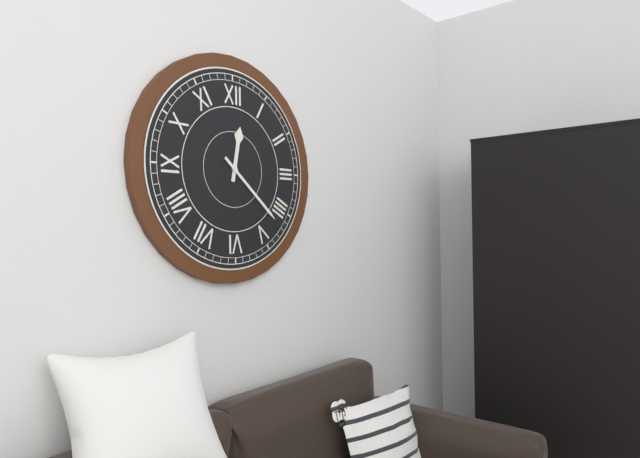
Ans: 12:22
